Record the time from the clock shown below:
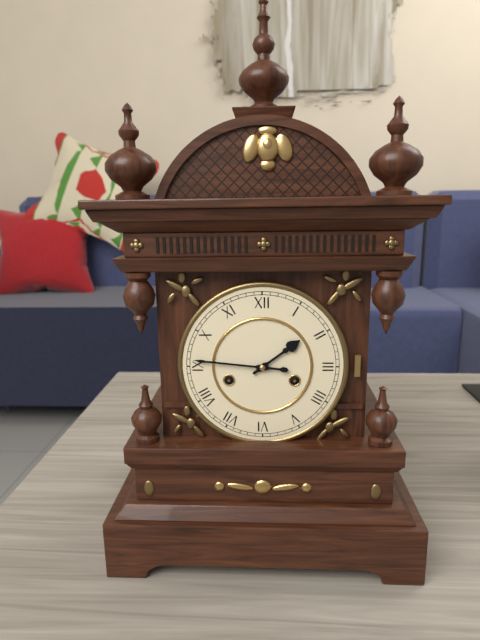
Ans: 1:46
